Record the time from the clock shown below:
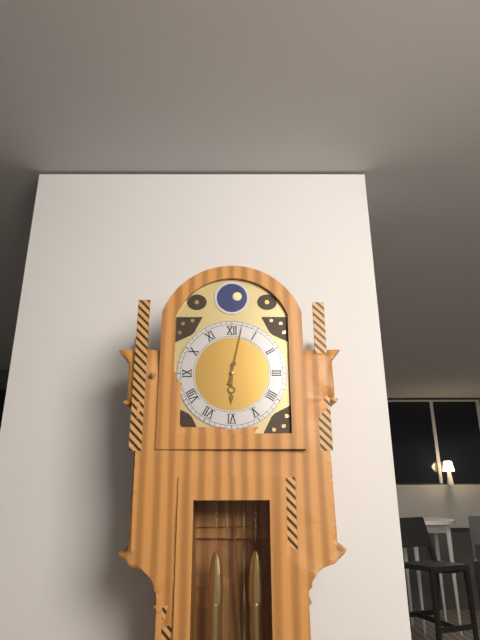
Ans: 6:02
